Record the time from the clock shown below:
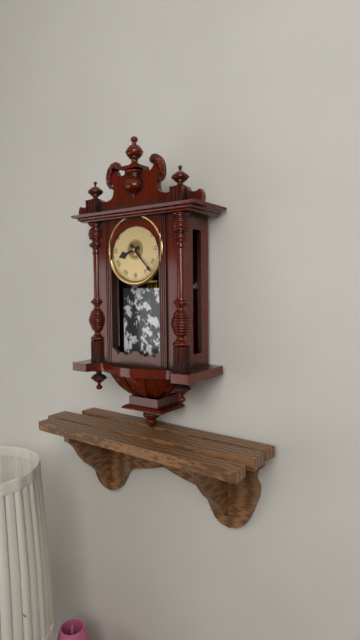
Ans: 8:23
